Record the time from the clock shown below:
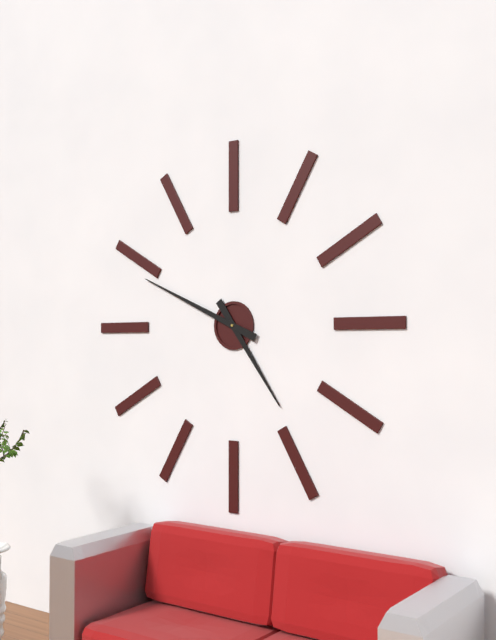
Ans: 4:49
